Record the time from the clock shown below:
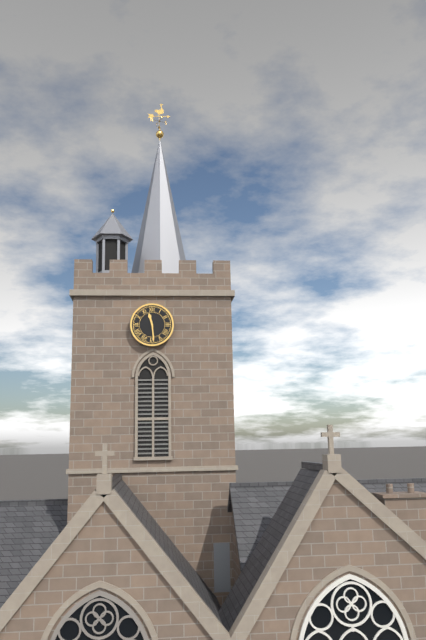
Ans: 11:29
